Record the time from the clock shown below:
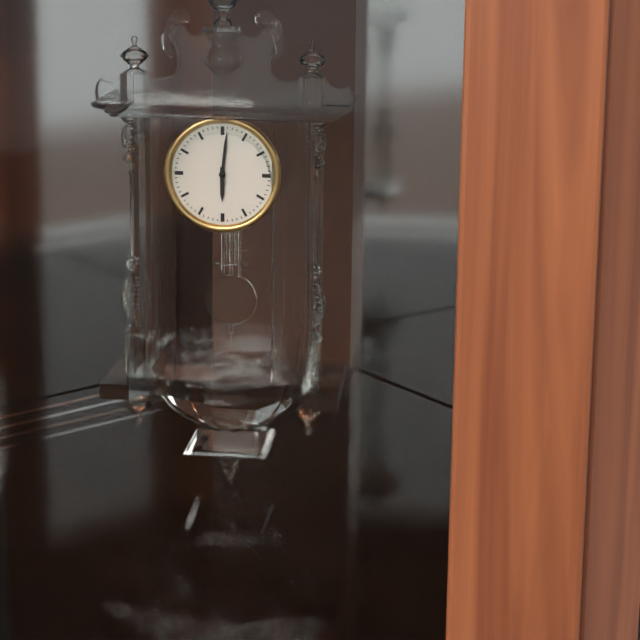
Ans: 6:01
